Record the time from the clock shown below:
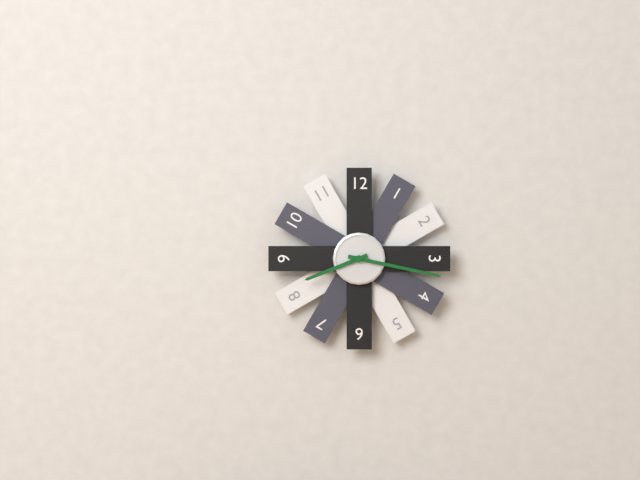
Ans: 8:17
